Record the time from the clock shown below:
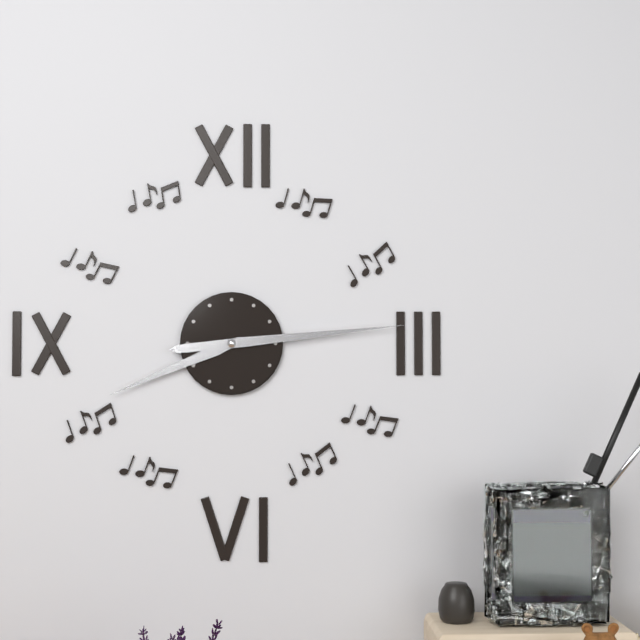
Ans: 8:14
